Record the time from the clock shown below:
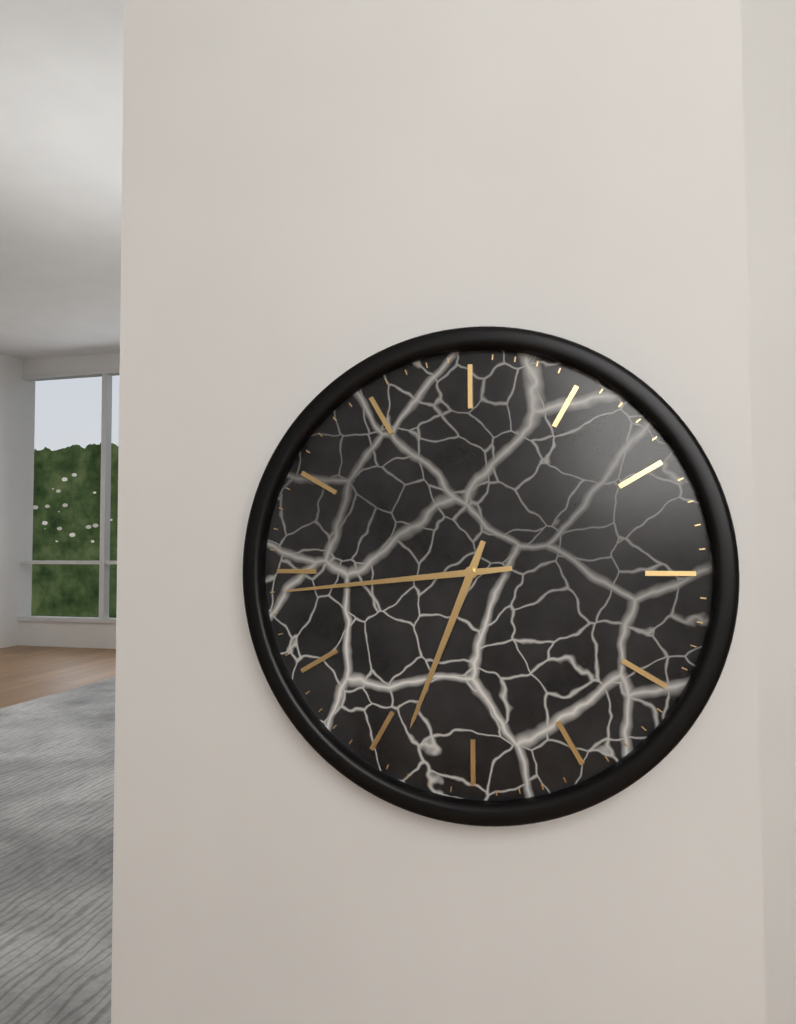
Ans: 6:44
